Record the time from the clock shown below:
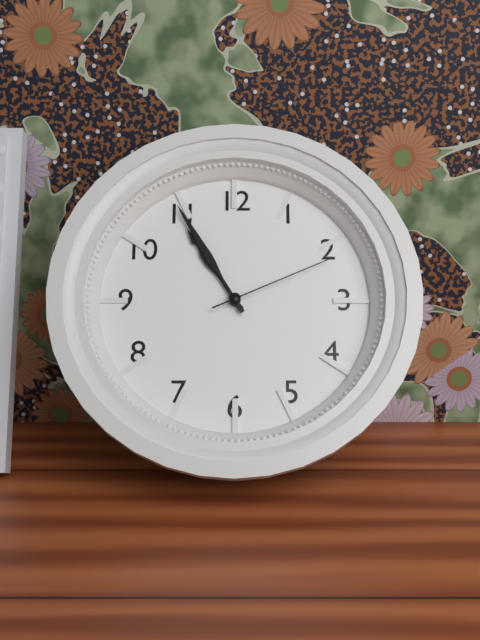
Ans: 10:55:11
